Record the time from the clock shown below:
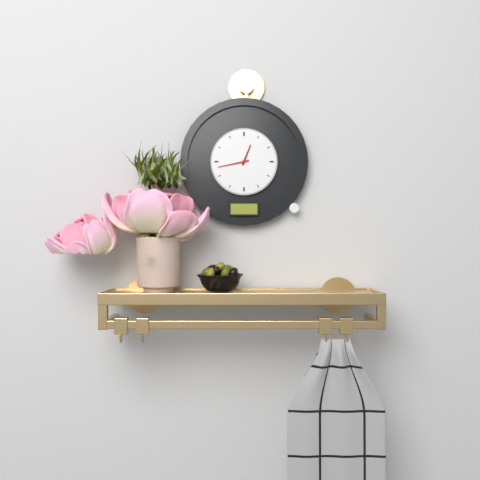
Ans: 12:43
